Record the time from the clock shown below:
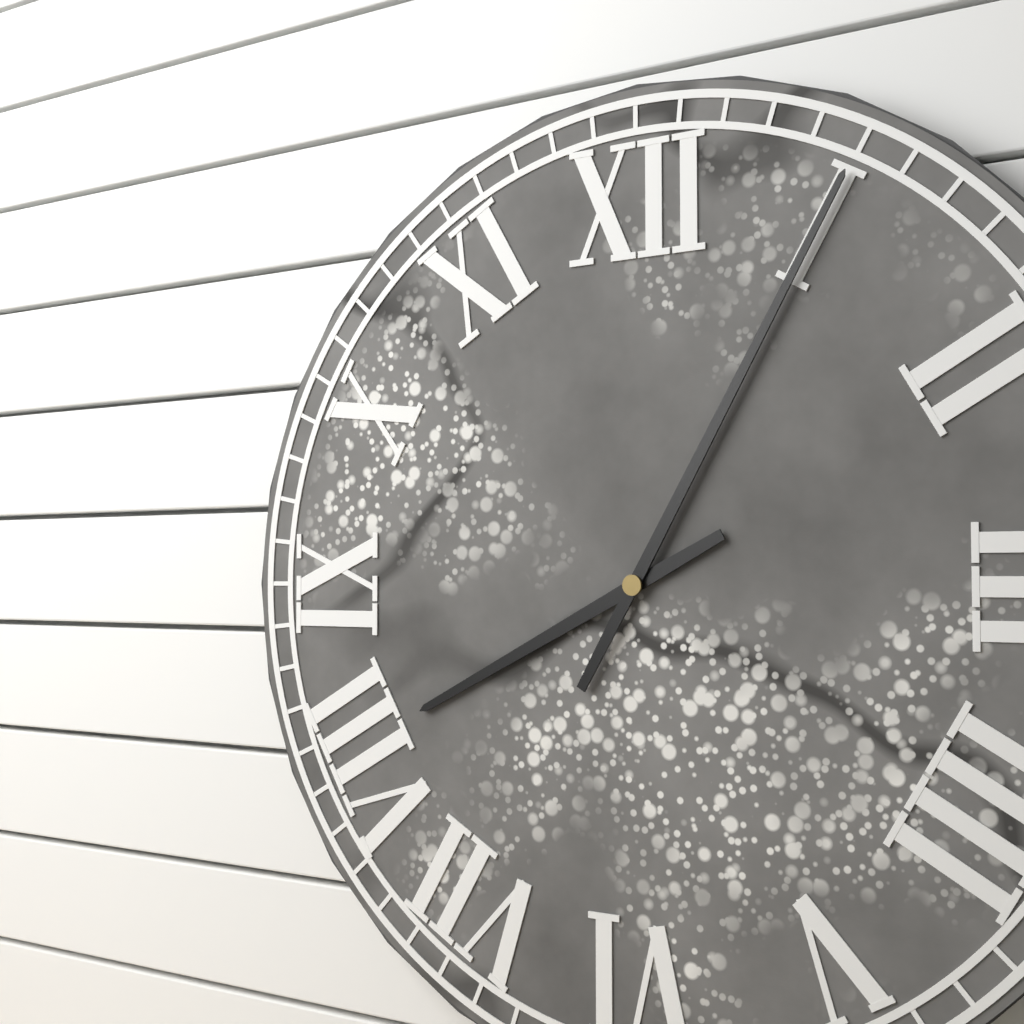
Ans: 8:05
